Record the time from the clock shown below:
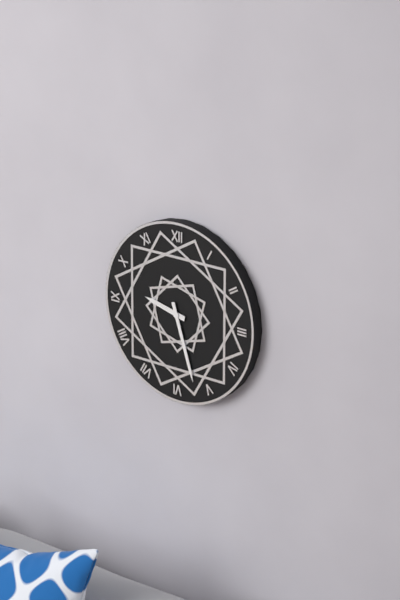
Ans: 9:27
